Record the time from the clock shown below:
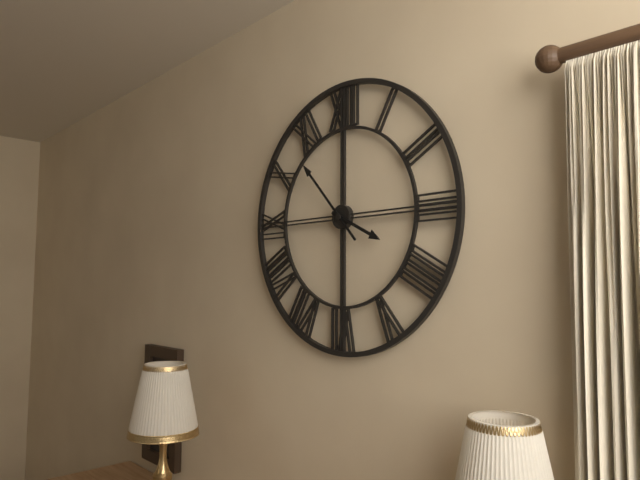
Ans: 3:53
